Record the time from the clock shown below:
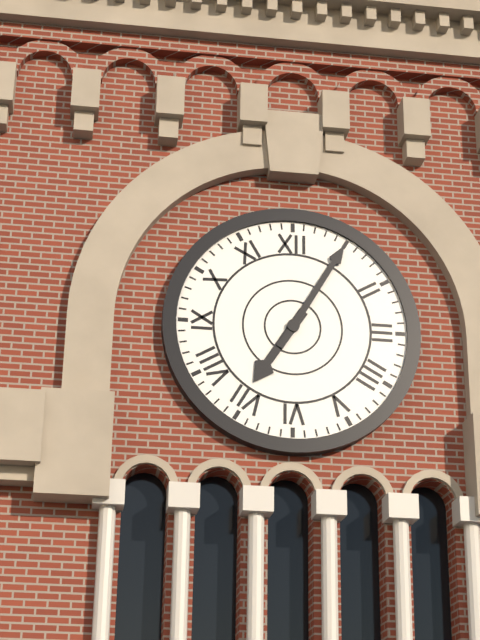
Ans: 7:05
